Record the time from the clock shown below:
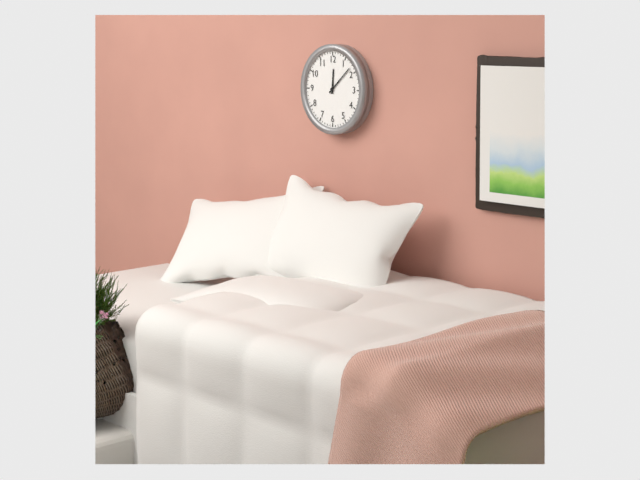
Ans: 12:08
